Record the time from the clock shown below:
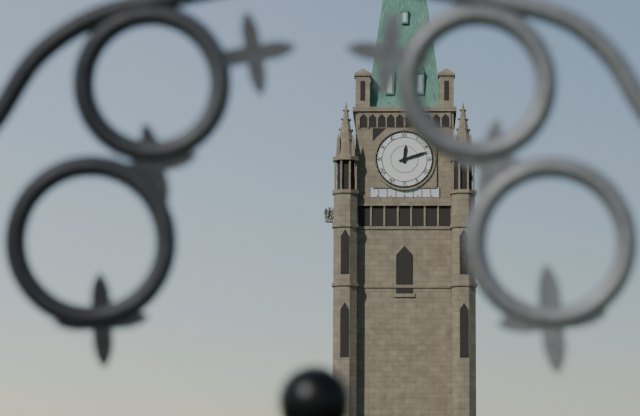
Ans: 12:12
